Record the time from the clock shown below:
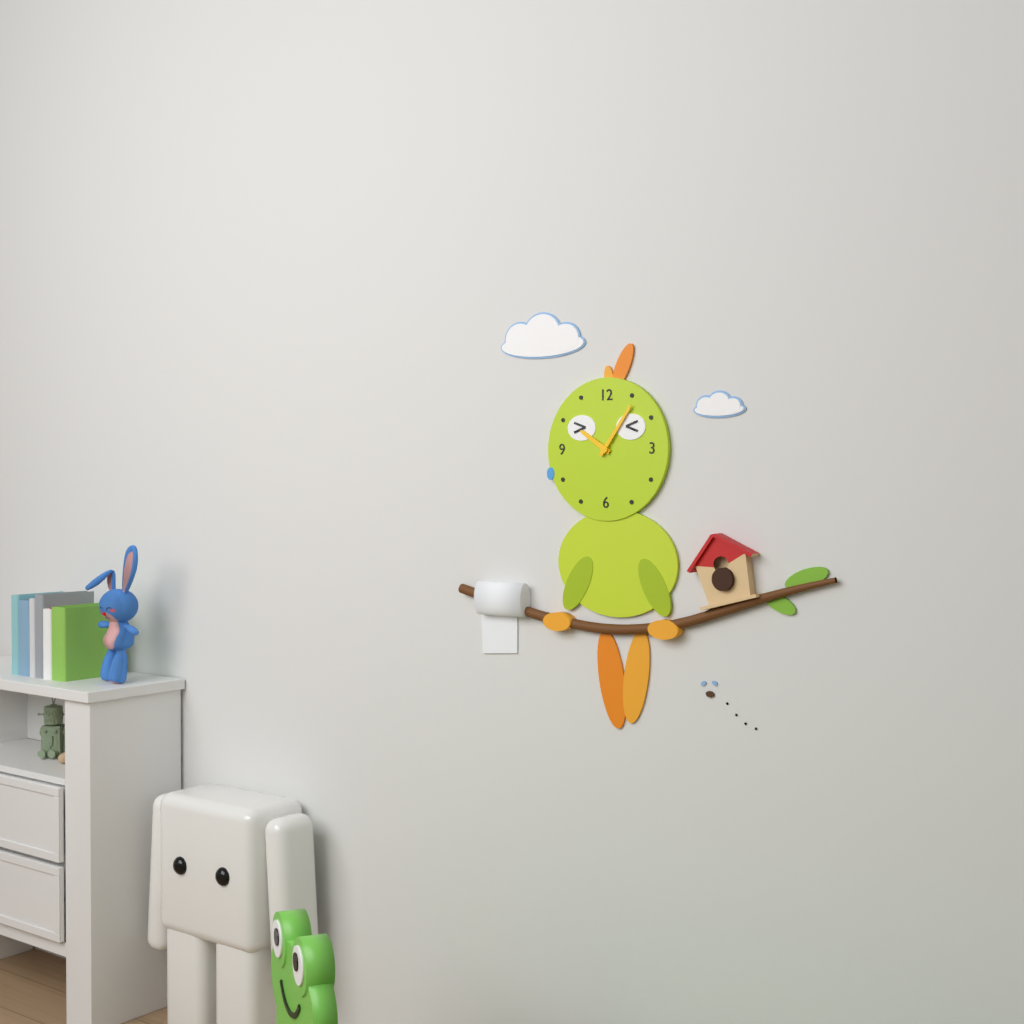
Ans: 10:06
